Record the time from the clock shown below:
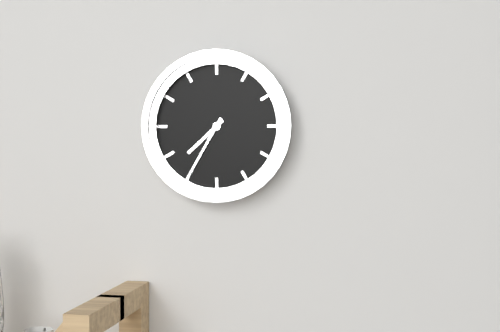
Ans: 7:35
